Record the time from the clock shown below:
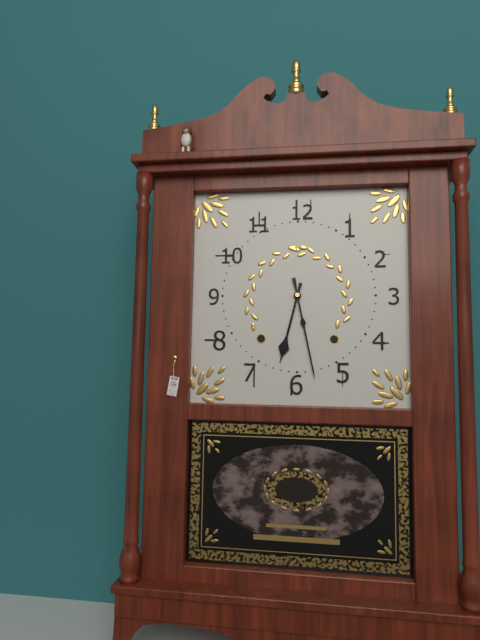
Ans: 6:28
